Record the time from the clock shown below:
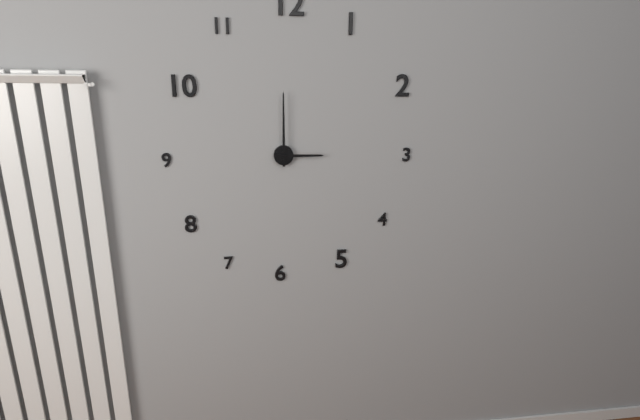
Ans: 3:00
